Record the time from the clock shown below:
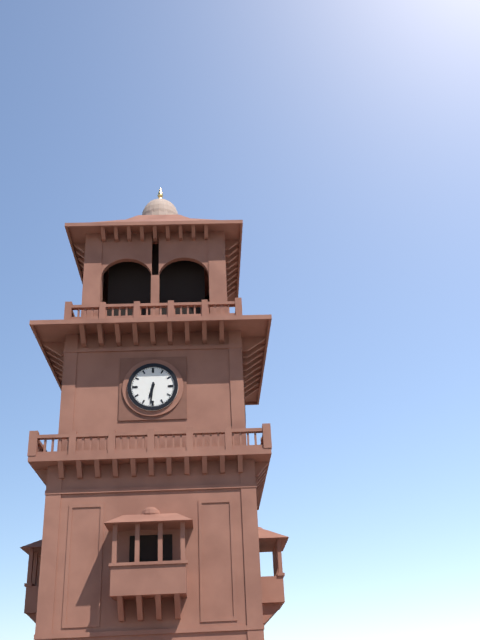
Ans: 6:31
